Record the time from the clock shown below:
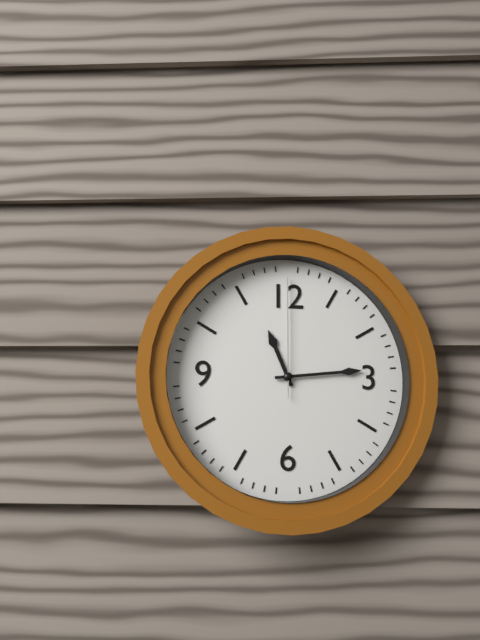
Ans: 11:14:00
